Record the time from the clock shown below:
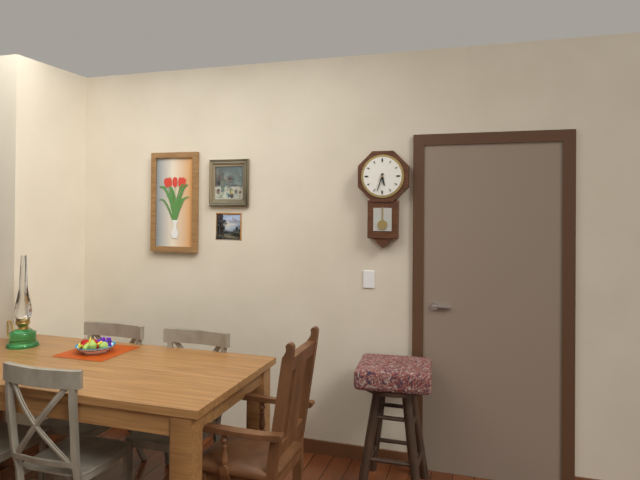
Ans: 5:33
